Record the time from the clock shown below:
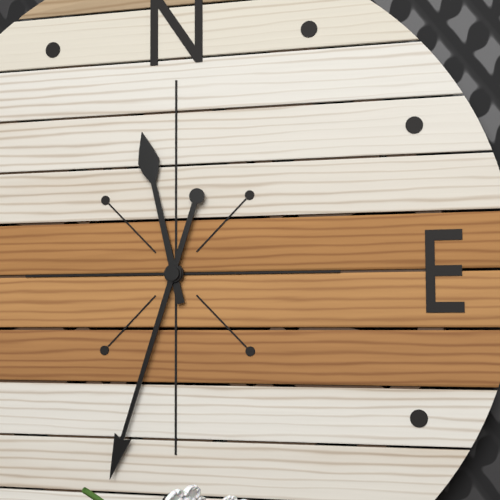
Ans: 11:33
